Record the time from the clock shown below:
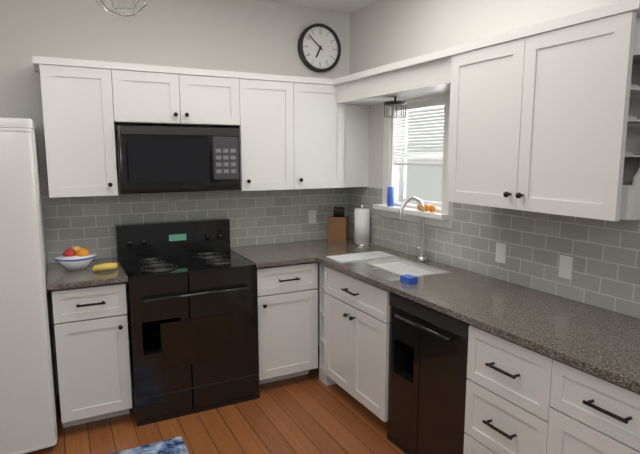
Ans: 6:52
